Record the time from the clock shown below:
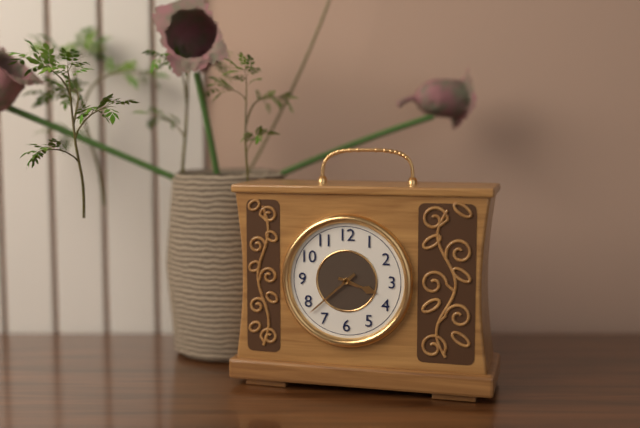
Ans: 3:38
